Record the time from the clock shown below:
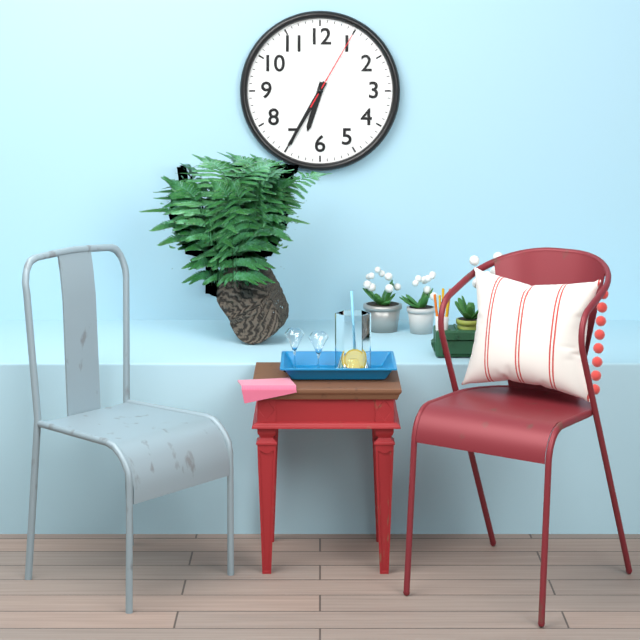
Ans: 6:35:05
